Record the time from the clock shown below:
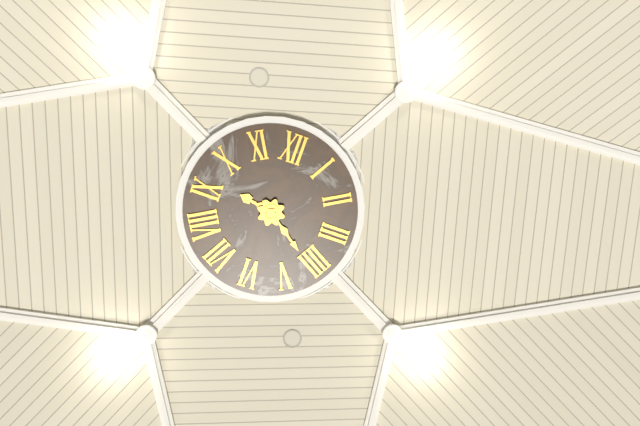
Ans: 9:21
